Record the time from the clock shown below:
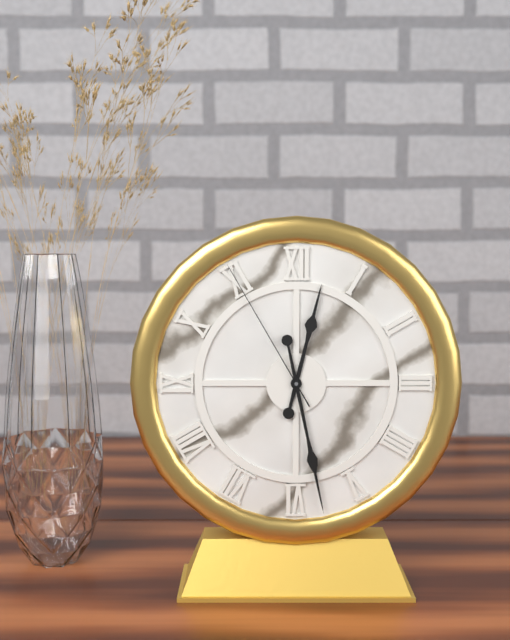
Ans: 12:28:55
